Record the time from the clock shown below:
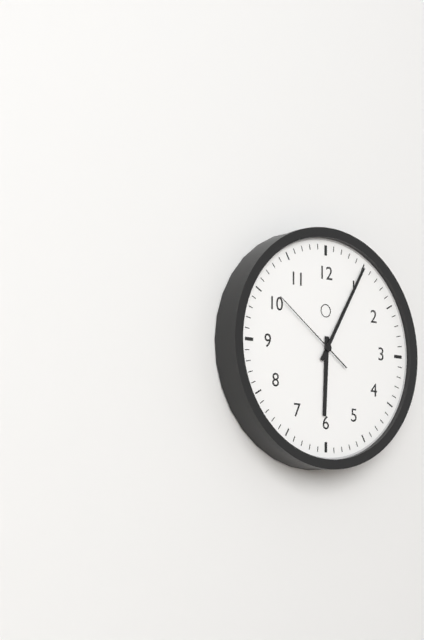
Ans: 6:05:51
